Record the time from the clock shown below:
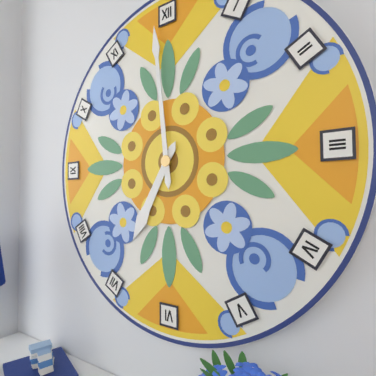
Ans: 6:59
